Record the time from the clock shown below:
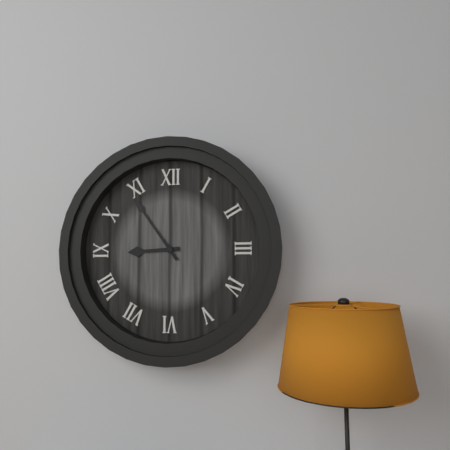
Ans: 8:54
